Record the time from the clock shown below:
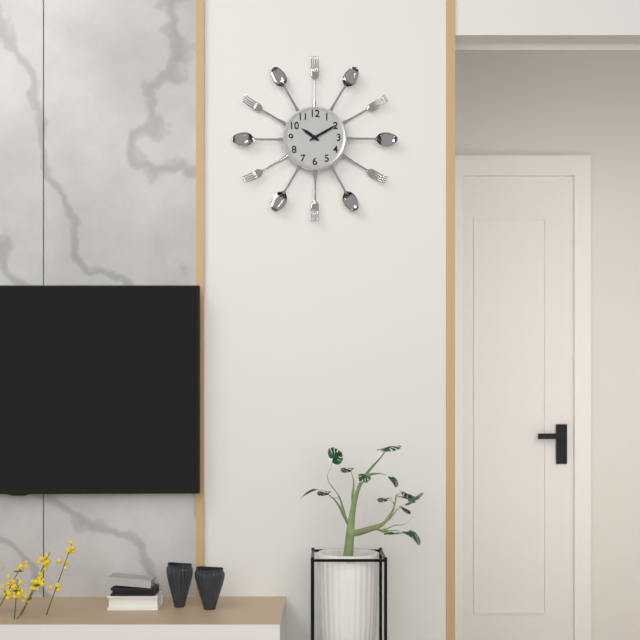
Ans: 10:10
